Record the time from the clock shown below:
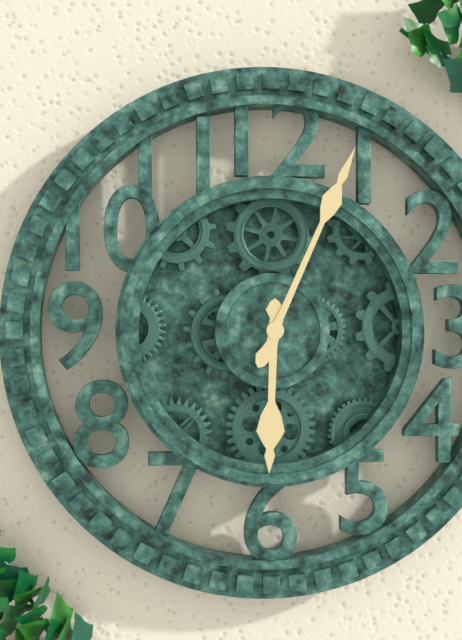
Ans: 6:04
